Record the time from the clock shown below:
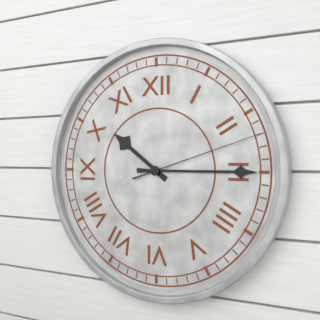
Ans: 10:15:12
